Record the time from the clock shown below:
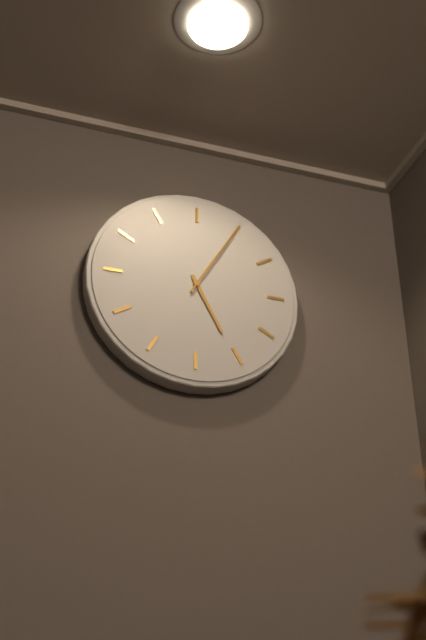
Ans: 5:05
